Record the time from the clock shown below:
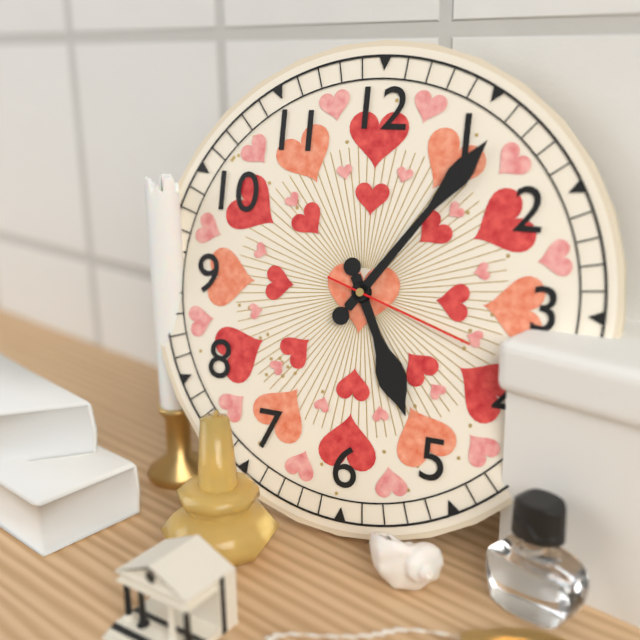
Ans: 5:06:18
